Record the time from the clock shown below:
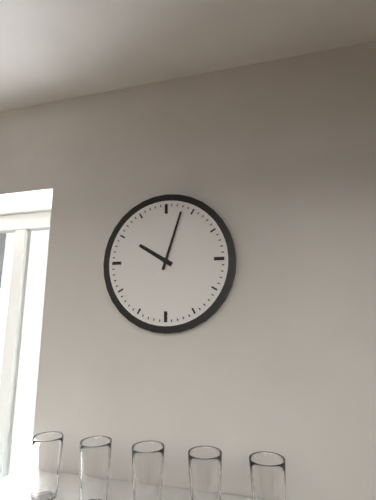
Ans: 10:03
